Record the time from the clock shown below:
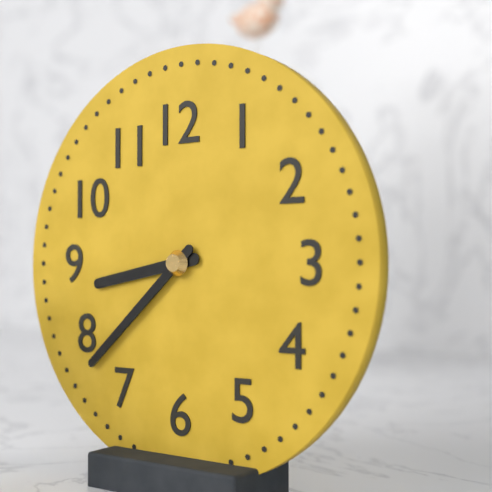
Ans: 8:38
